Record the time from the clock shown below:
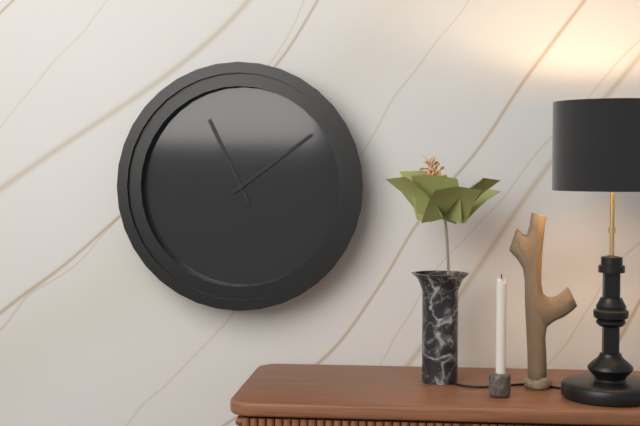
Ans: 11:09
